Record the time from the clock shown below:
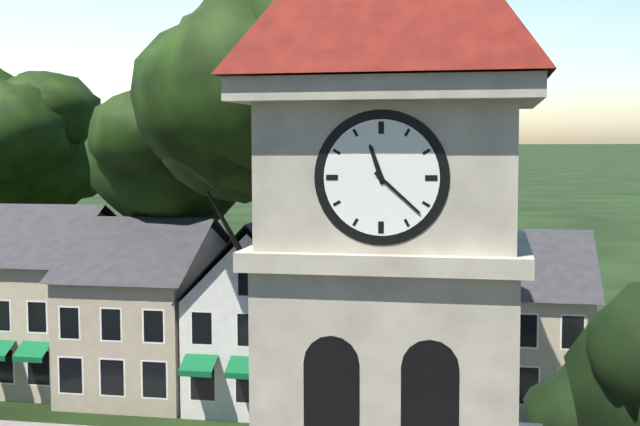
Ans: 11:22
